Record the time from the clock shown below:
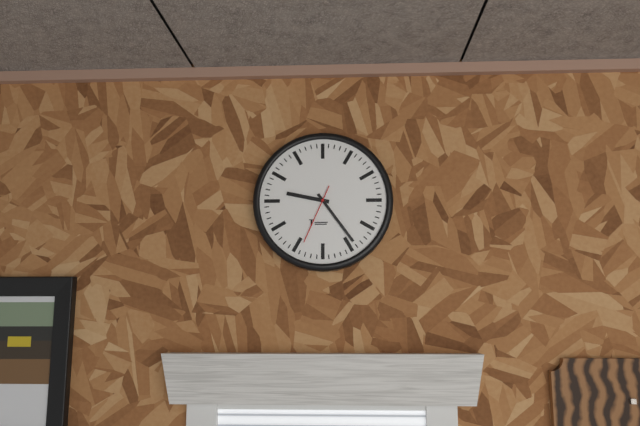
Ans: 9:24:34
